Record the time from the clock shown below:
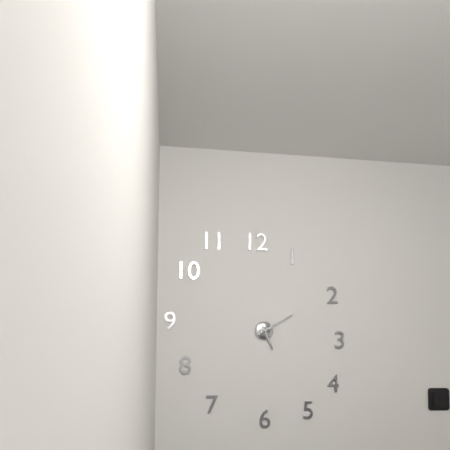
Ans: 5:10
